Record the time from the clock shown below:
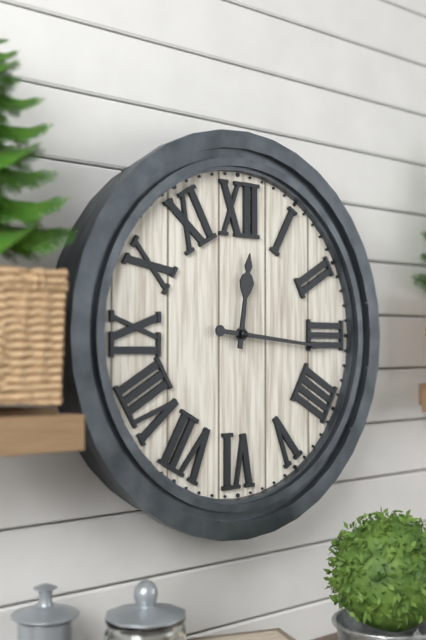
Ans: 12:16
